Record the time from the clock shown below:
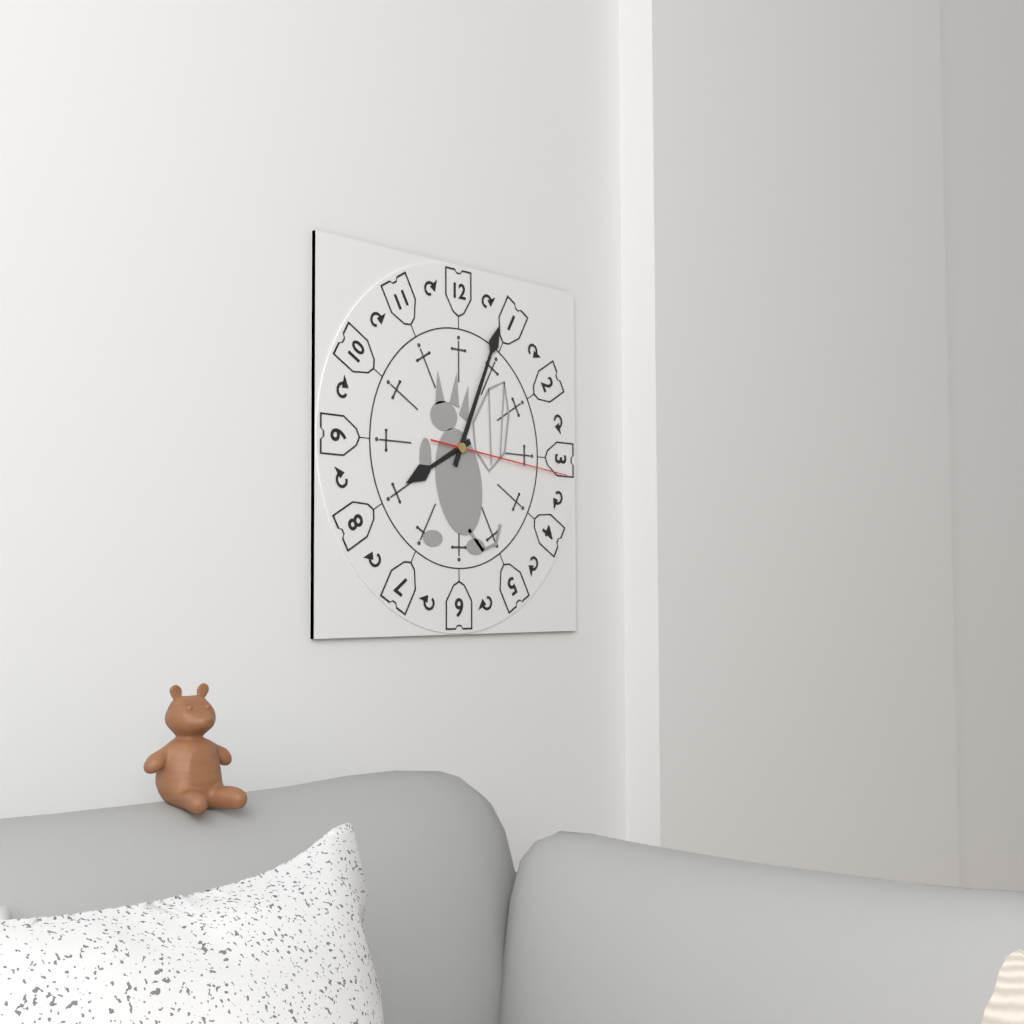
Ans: 8:04:16
